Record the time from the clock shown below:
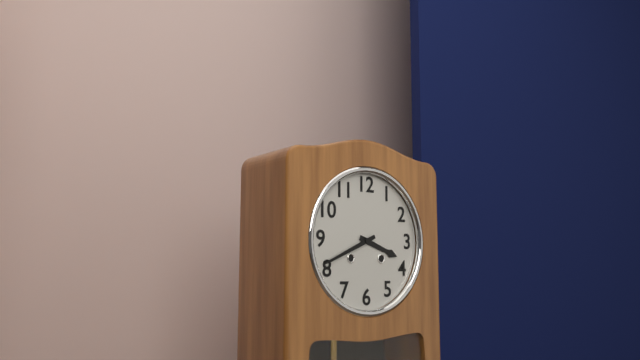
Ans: 3:41
